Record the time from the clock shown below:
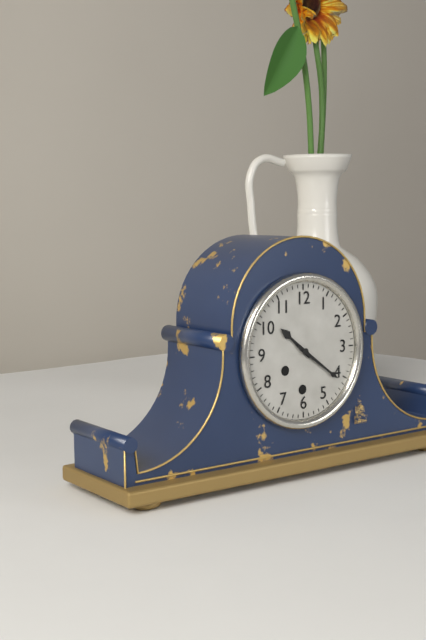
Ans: 10:21
